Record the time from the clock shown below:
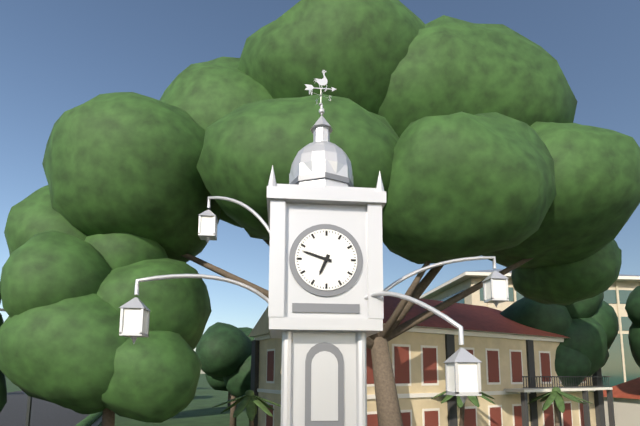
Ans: 6:48
